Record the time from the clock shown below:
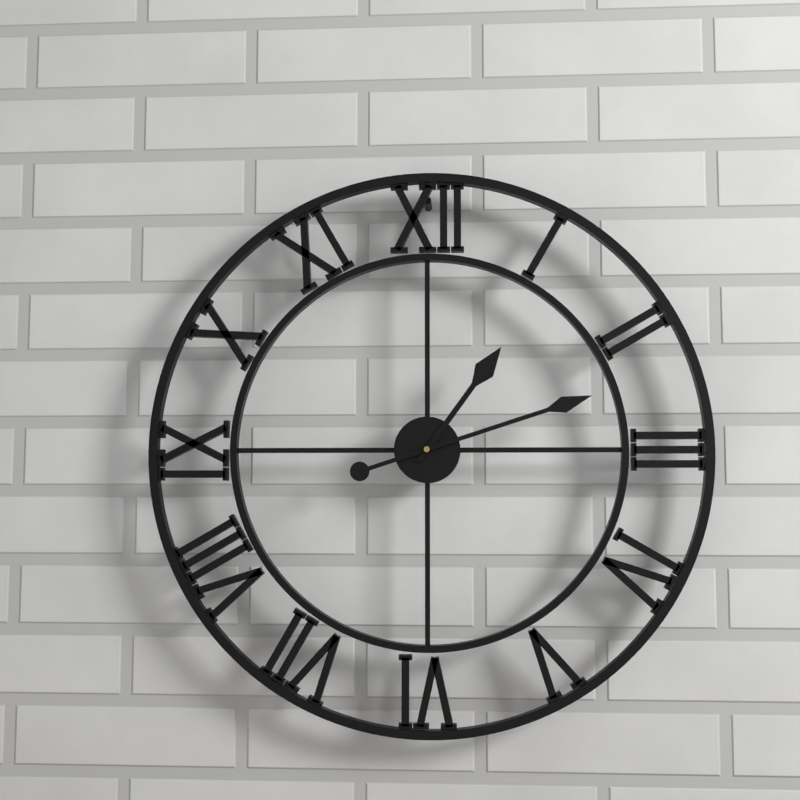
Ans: 1:12
